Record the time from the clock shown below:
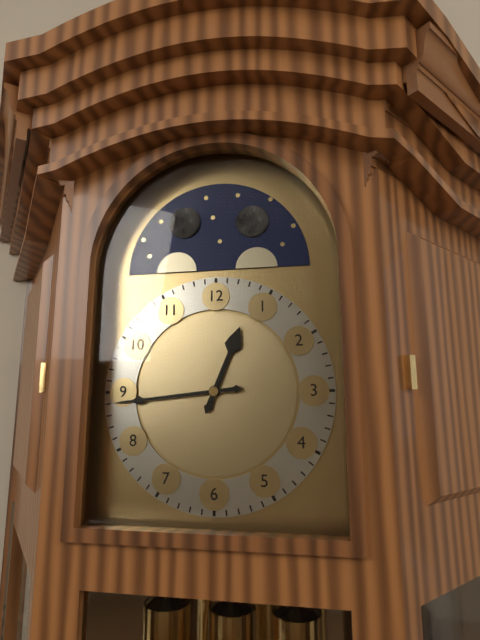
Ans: 12:44
